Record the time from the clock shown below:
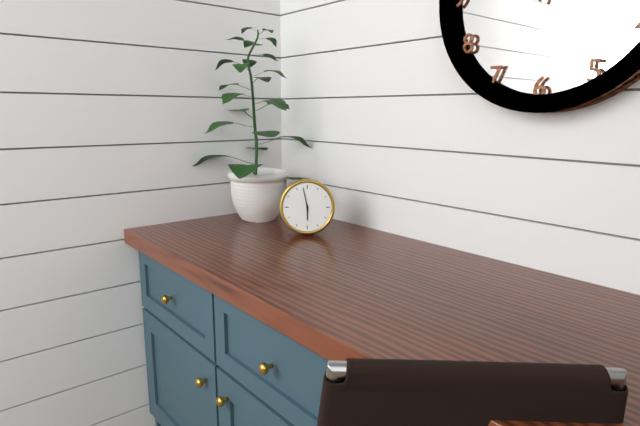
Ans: 5:58
